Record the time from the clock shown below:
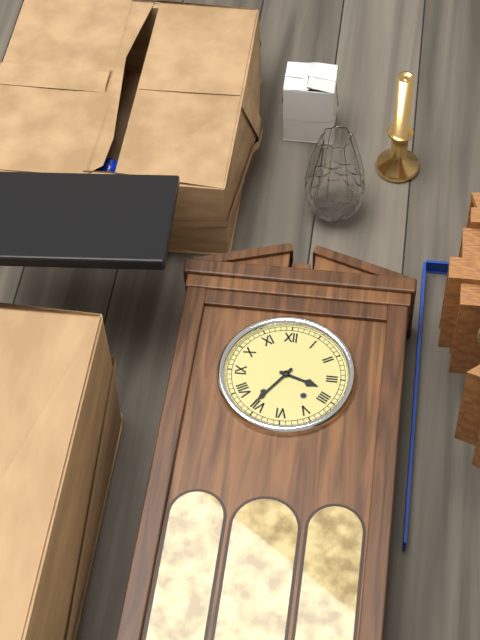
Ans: 3:36
